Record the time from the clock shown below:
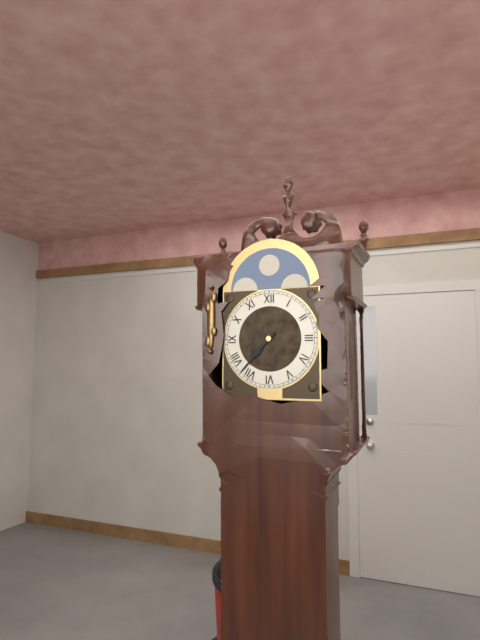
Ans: 7:37
